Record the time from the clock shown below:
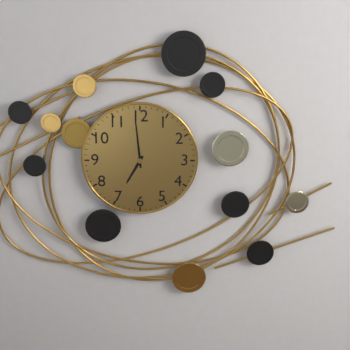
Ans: 6:59
